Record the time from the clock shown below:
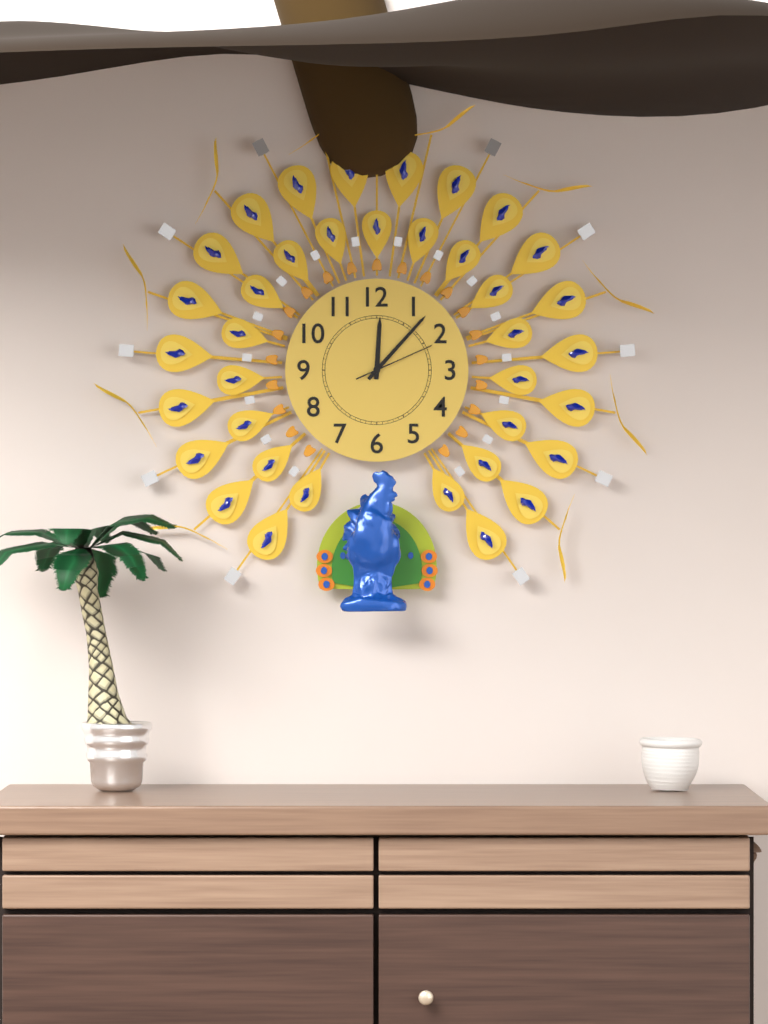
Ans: 12:07:11
